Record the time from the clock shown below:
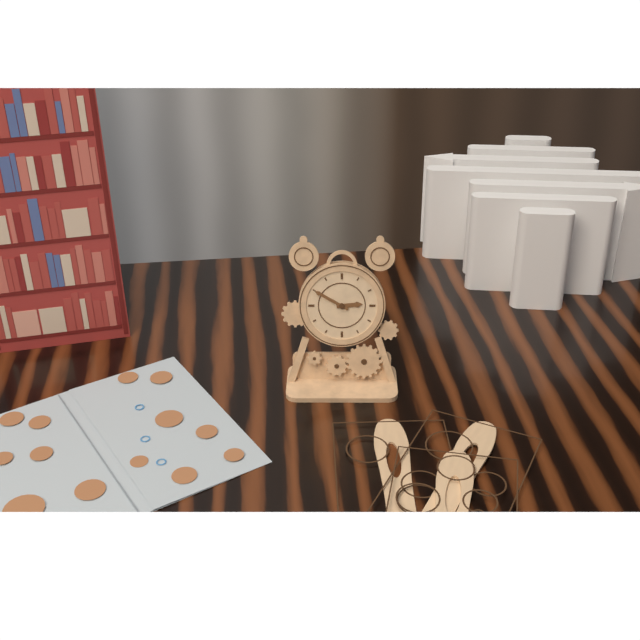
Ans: 2:50
